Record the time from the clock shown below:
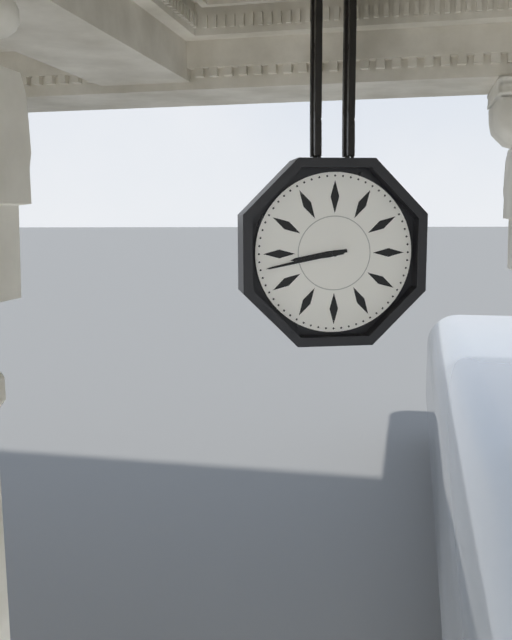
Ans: 8:43
